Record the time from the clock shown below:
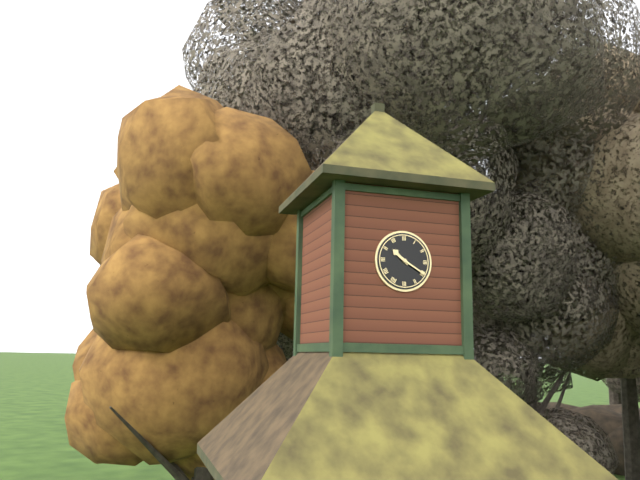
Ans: 10:20
